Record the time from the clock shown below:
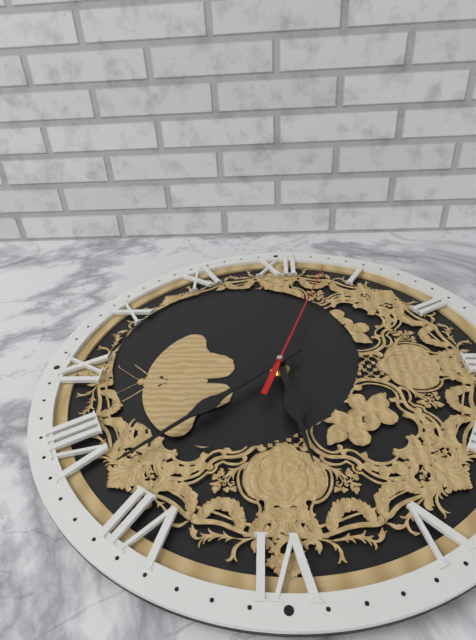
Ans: 5:38:03
